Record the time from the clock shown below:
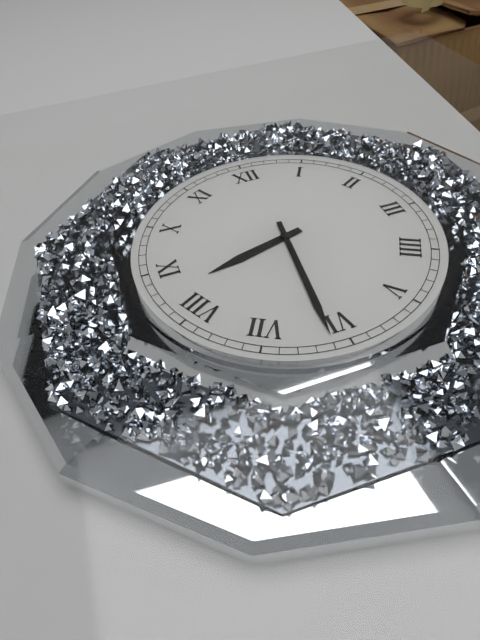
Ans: 8:31
